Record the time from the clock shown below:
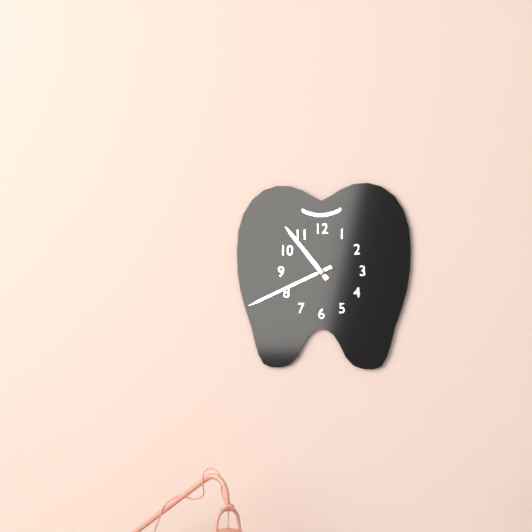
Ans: 10:41
